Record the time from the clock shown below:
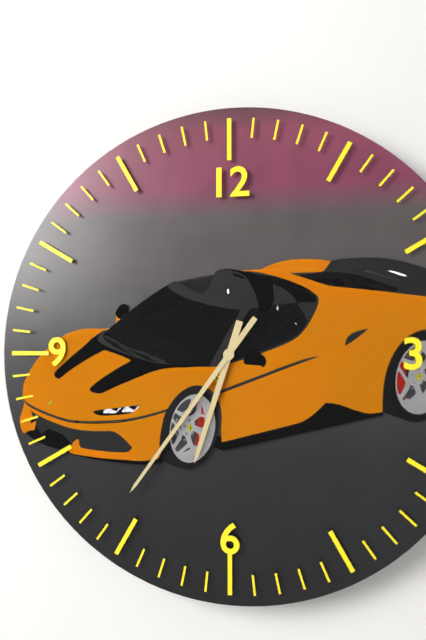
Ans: 6:36
